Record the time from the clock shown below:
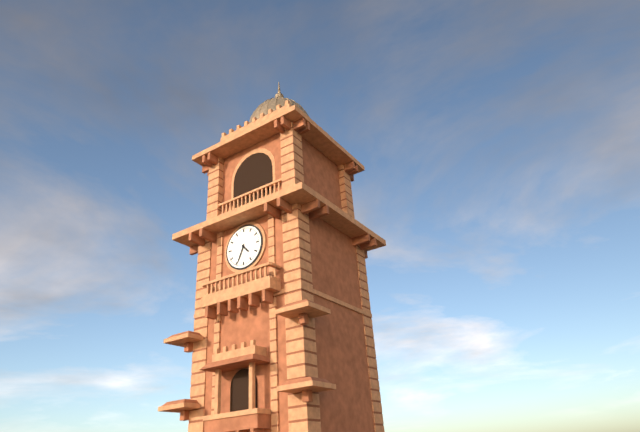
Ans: 4:34
